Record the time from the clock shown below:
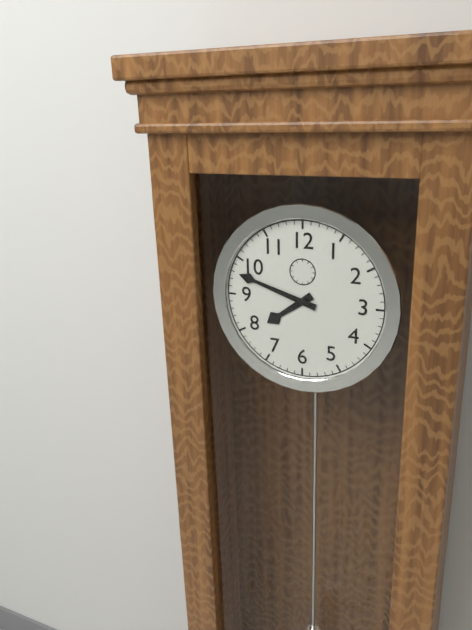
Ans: 7:48
